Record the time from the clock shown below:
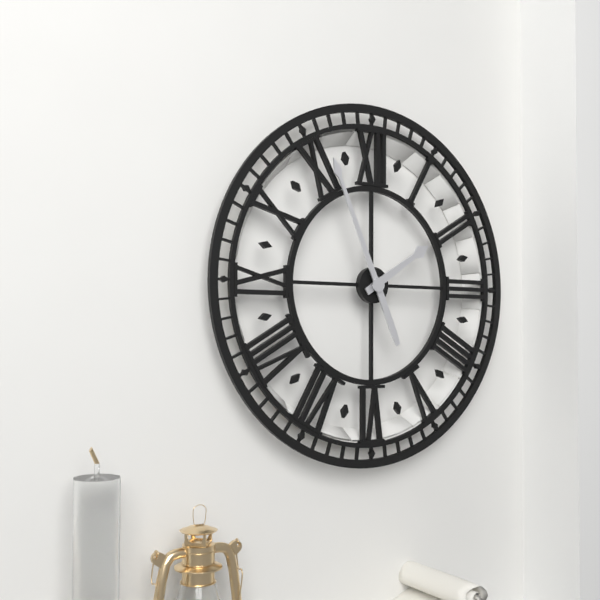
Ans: 1:56
